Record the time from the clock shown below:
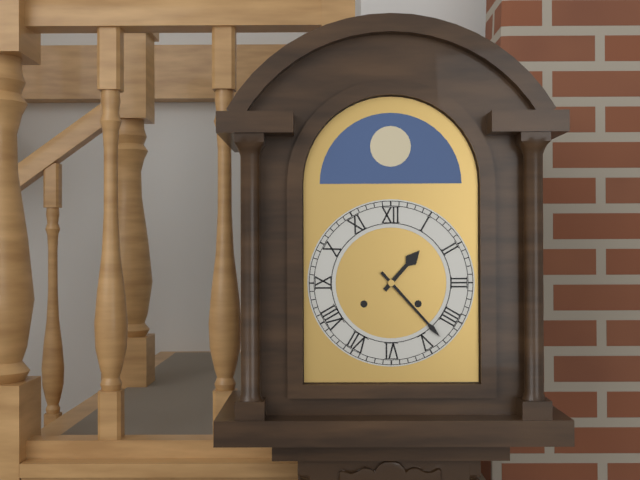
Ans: 1:23
